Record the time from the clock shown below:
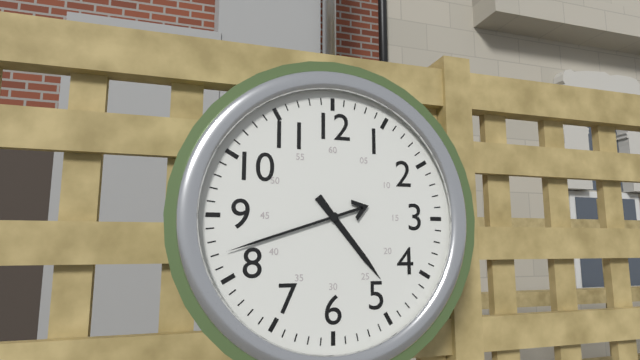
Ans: 4:42
